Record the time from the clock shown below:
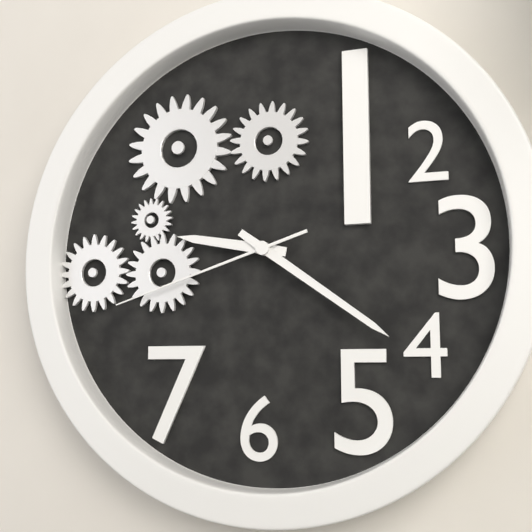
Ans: 9:21:42
